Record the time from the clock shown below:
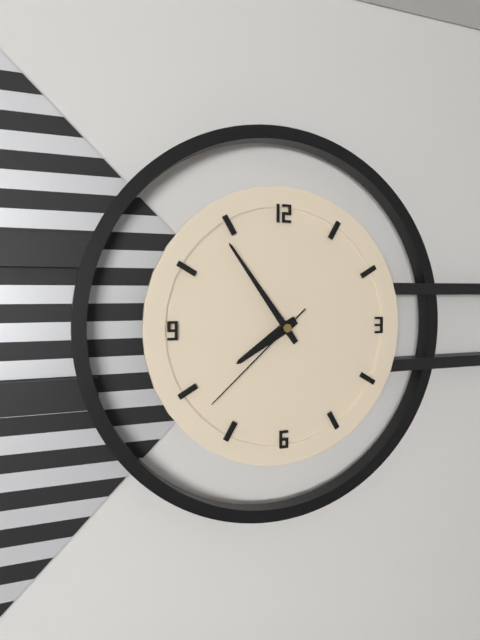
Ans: 7:54:38
